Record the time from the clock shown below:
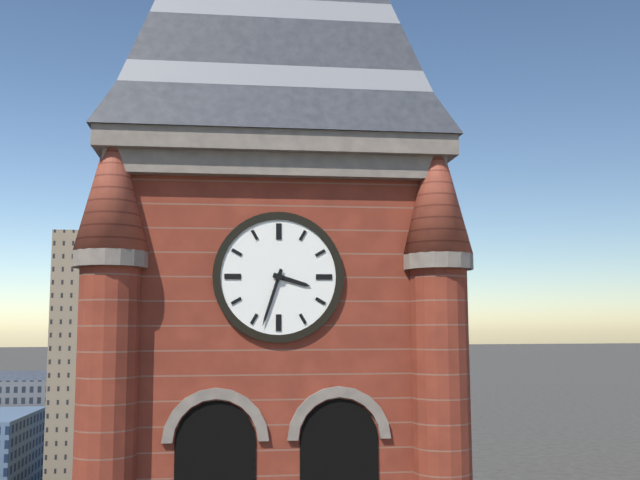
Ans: 3:33
